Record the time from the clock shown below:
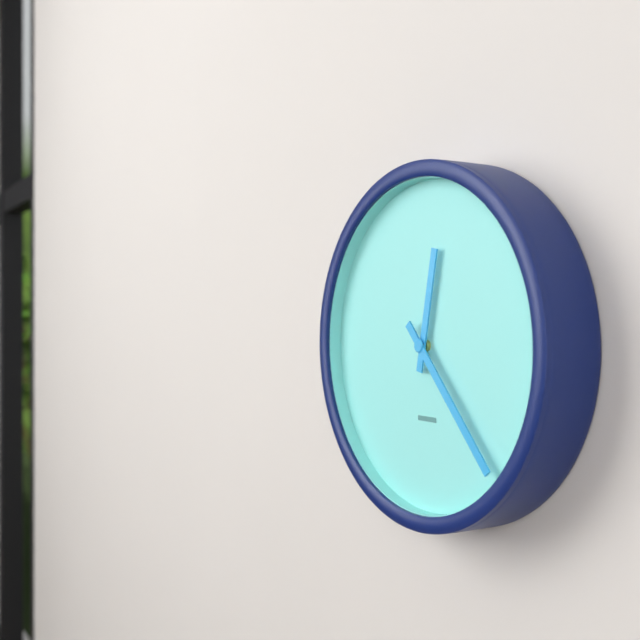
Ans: 12:23
